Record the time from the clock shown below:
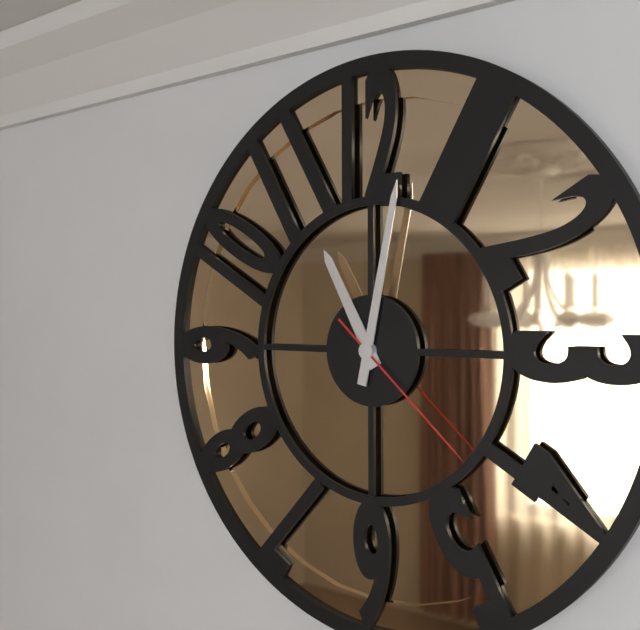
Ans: 11:02:22
